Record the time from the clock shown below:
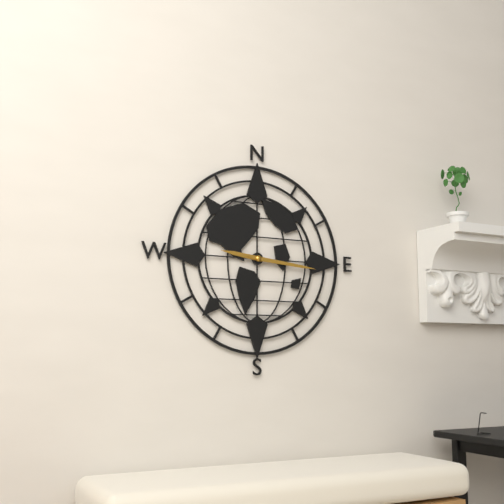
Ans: 9:16
